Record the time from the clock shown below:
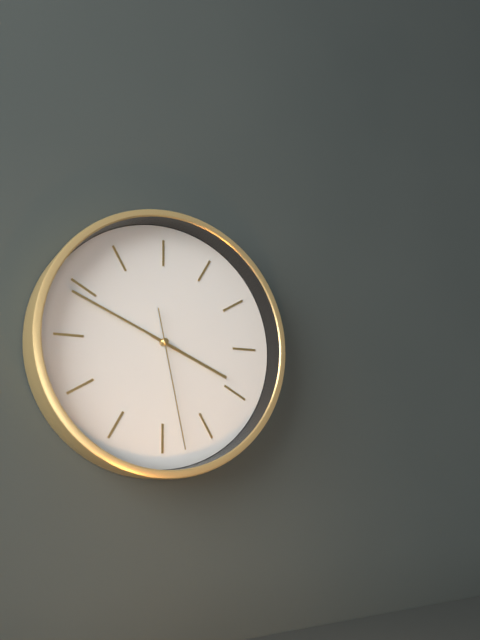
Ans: 3:49:28
